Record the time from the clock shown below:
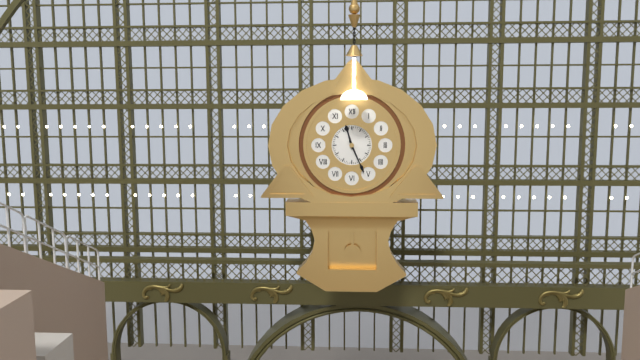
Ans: 11:26
